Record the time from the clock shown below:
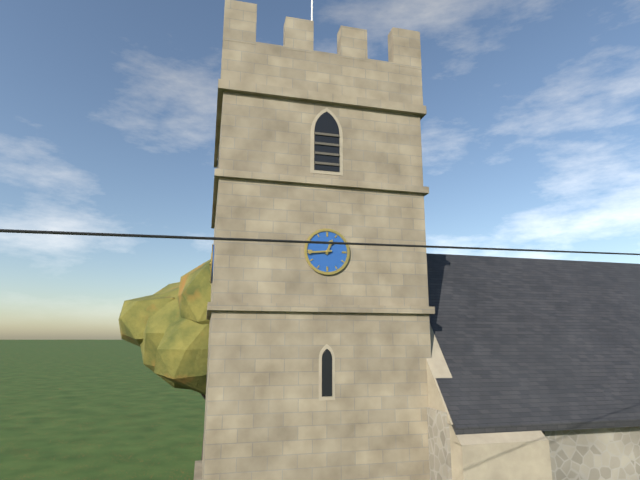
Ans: 12:44
